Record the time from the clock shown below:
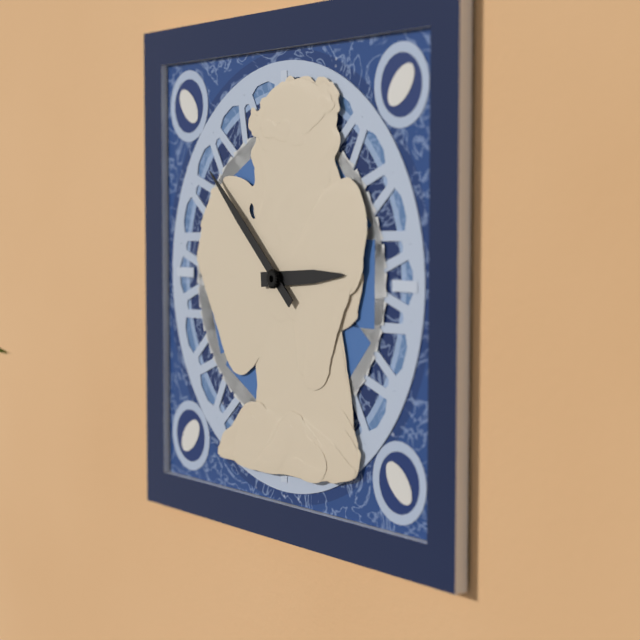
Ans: 2:52
